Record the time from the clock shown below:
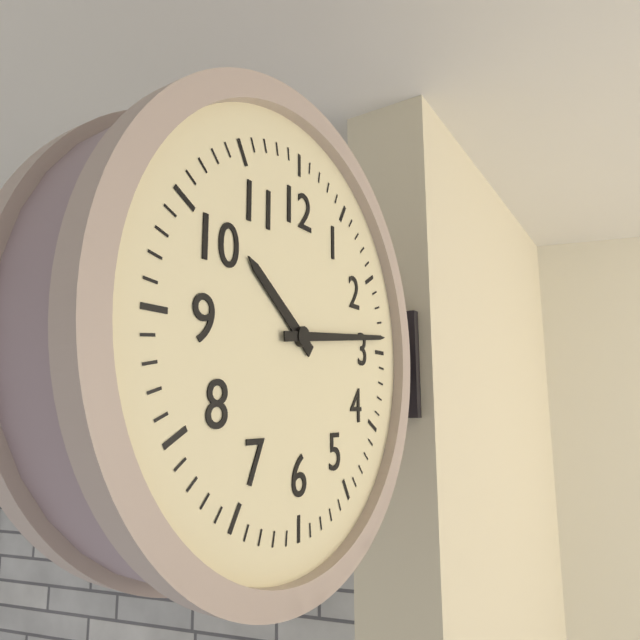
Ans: 10:14
